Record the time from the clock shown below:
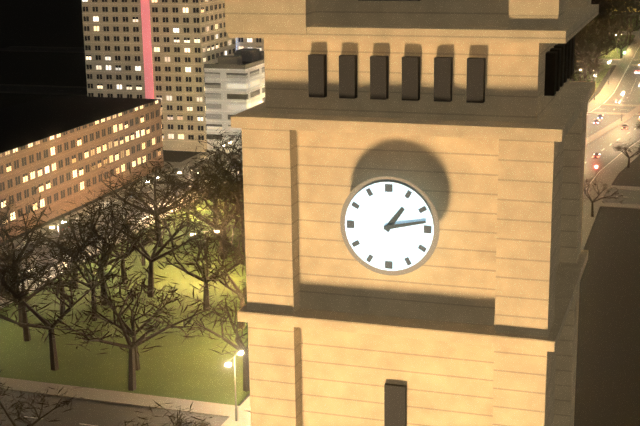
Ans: 1:13
